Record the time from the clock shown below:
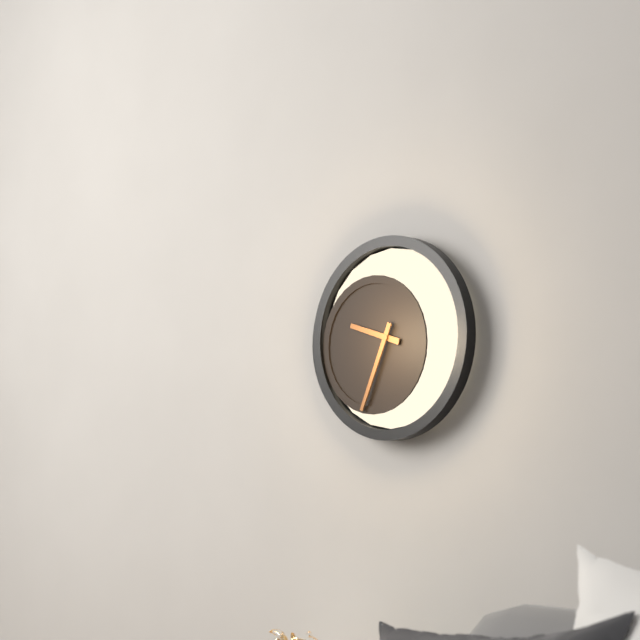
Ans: 9:34
